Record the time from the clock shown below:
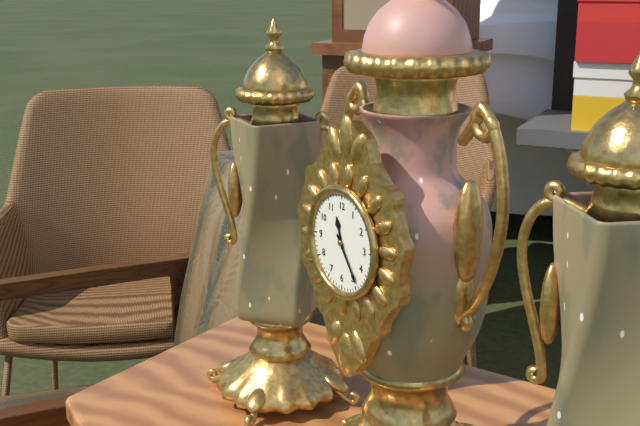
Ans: 11:24
